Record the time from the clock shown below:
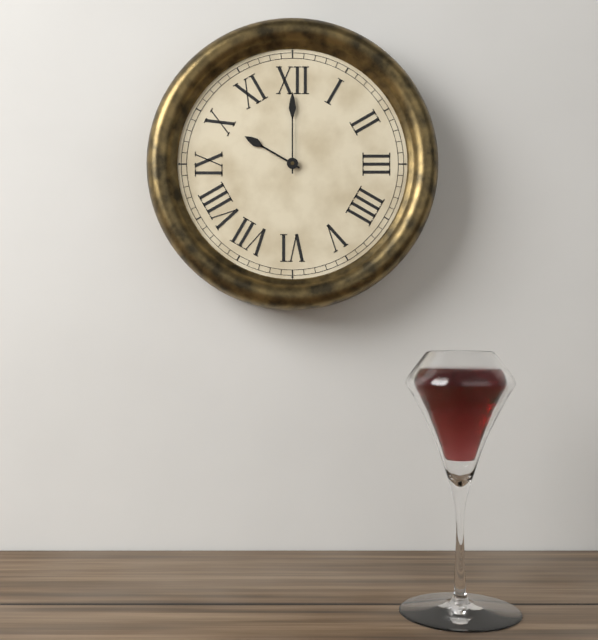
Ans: 10:00
